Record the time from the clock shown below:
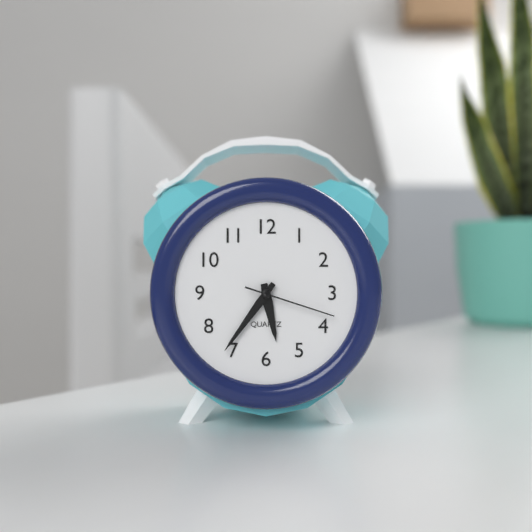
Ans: 5:36:18
